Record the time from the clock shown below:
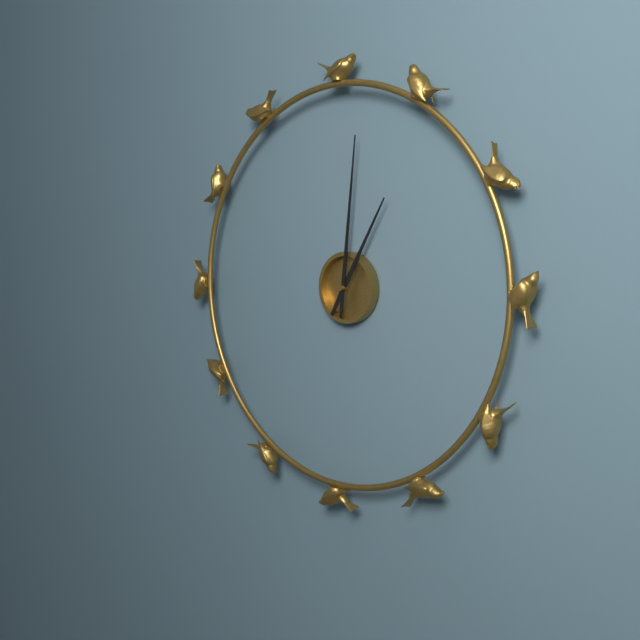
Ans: 1:01
